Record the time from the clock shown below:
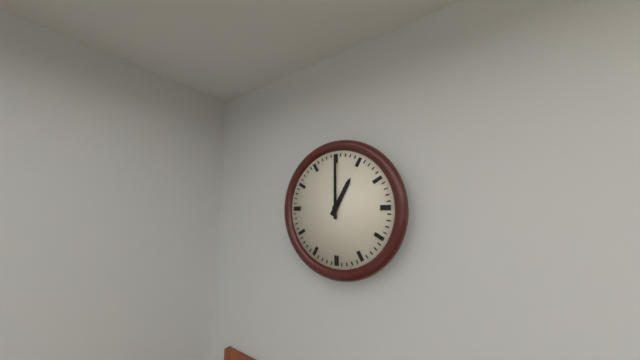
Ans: 1:00
